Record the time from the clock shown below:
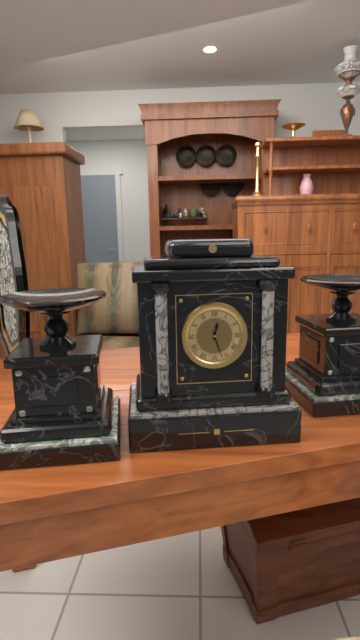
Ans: 12:27
